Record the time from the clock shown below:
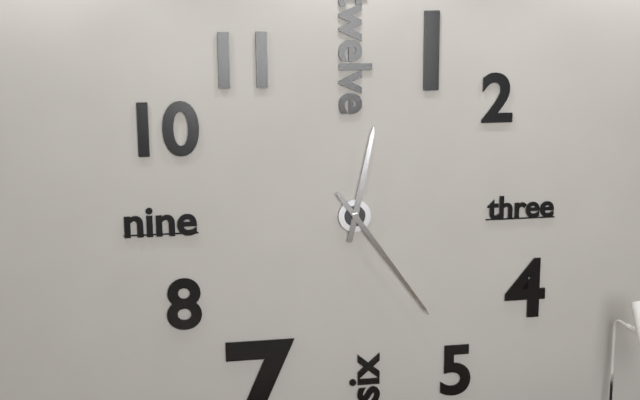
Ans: 12:24
